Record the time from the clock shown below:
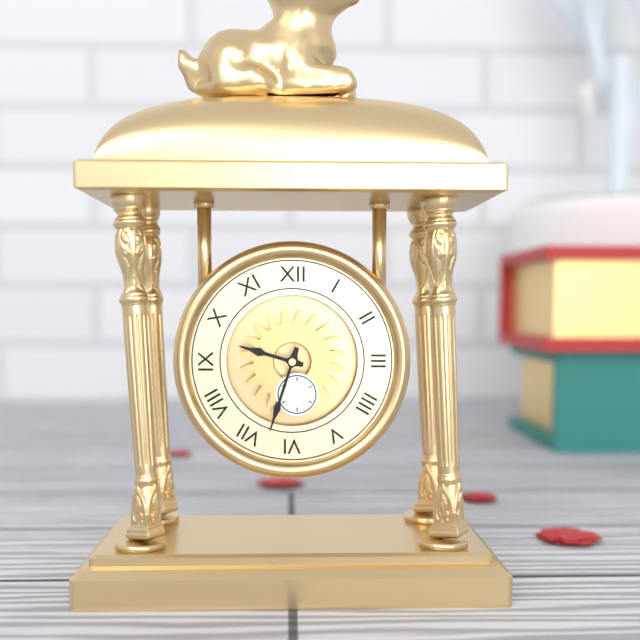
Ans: 9:33
